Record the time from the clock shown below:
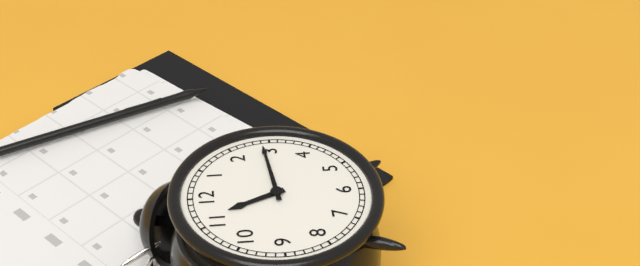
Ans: 11:14
